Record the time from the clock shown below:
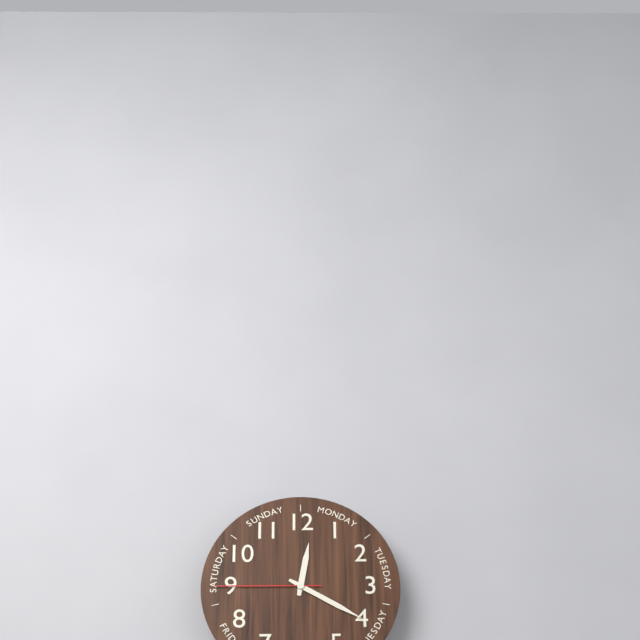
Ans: 12:20:45
